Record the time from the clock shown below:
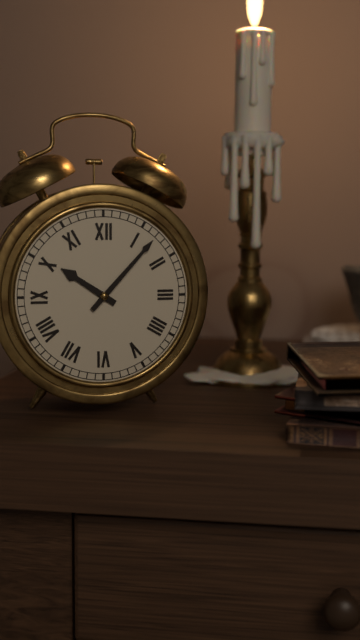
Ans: 10:07
